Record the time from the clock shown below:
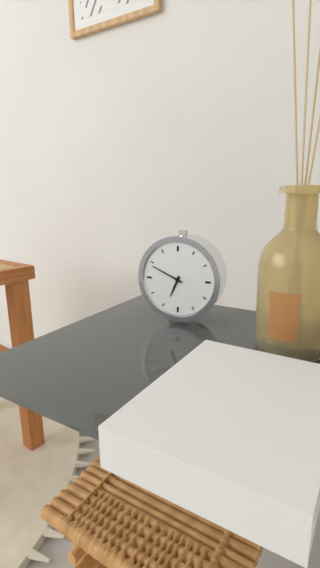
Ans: 6:49
